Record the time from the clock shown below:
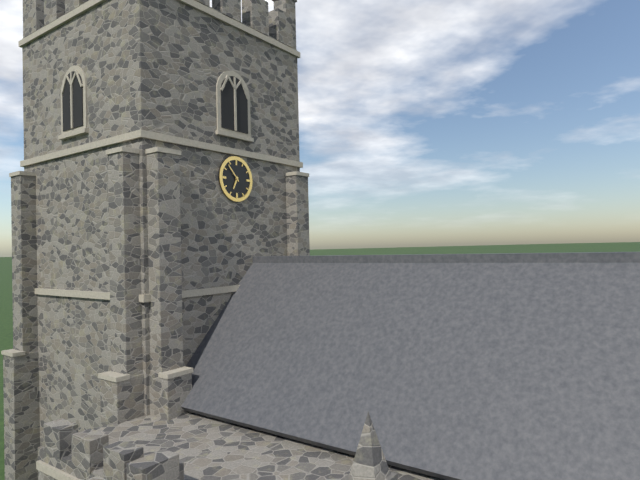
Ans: 6:53
